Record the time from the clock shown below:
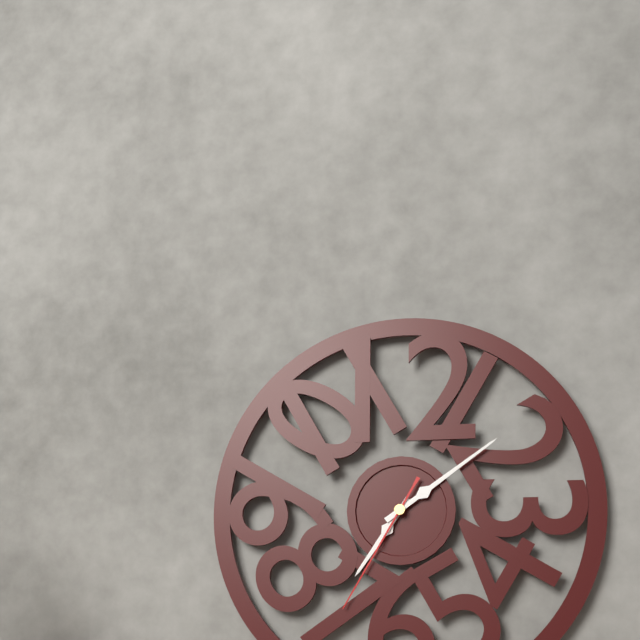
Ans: 7:09:35
